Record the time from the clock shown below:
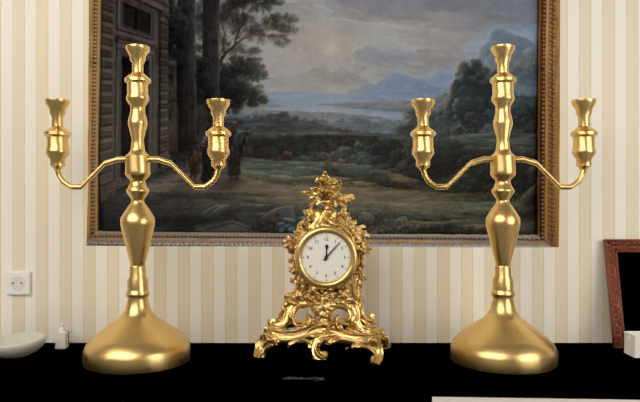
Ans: 12:07
